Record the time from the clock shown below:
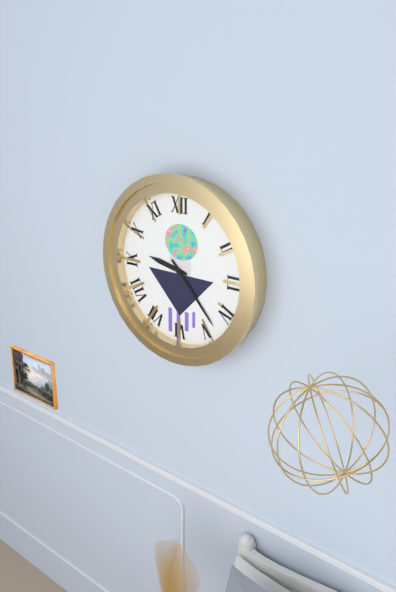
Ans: 9:23
